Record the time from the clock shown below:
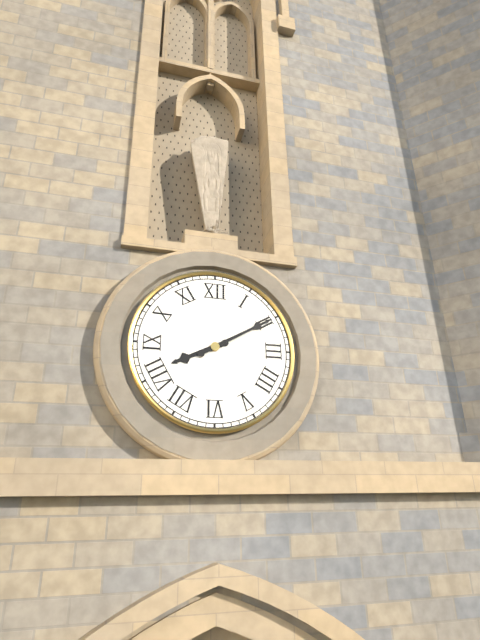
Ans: 8:10
